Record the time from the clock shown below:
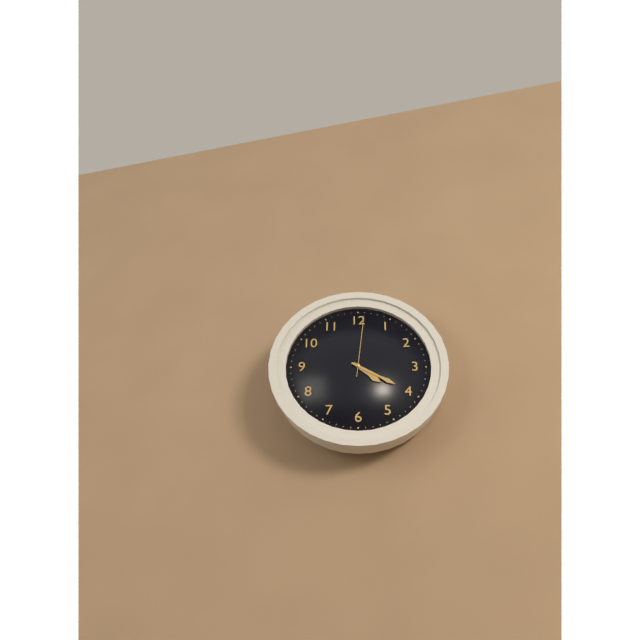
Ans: 4:20:01
